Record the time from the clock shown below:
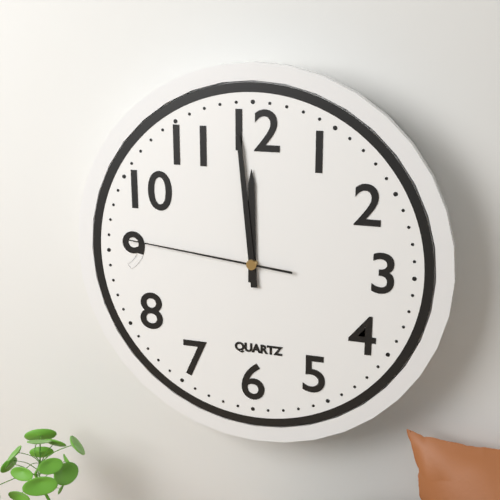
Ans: 11:59:46
